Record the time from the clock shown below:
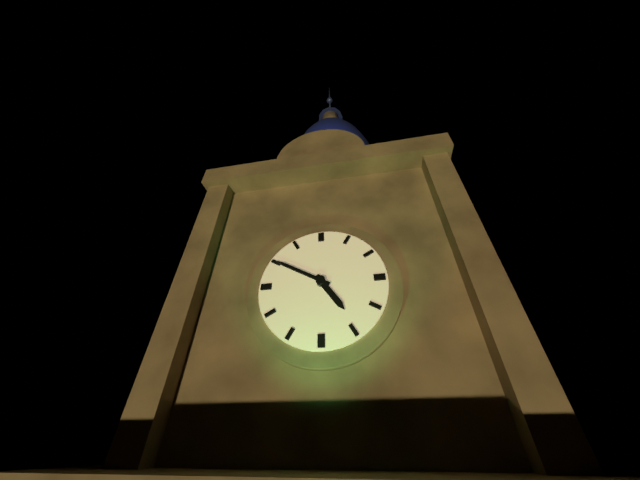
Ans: 4:50
